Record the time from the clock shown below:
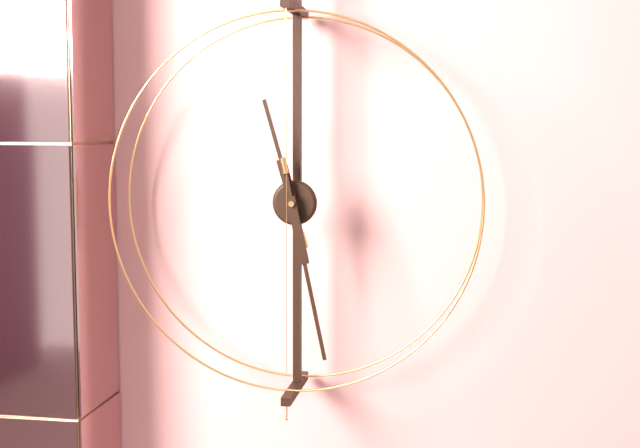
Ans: 11:28
